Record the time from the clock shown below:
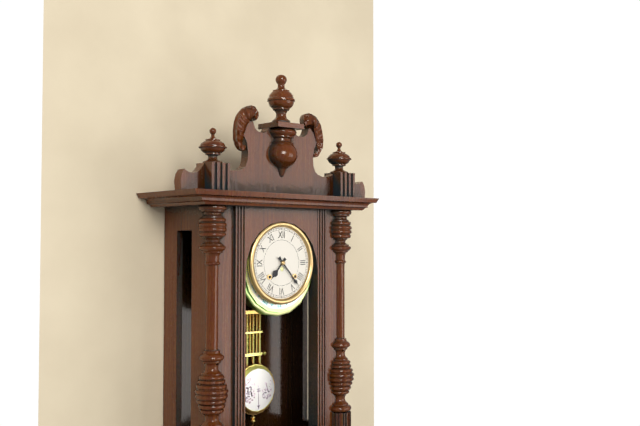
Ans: 7:23
